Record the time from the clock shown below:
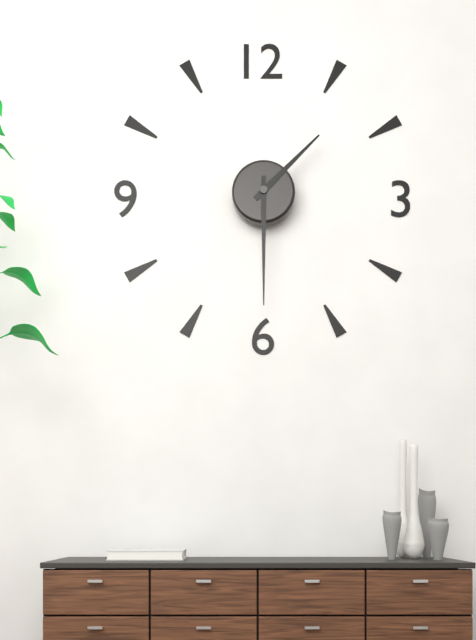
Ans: 1:30
